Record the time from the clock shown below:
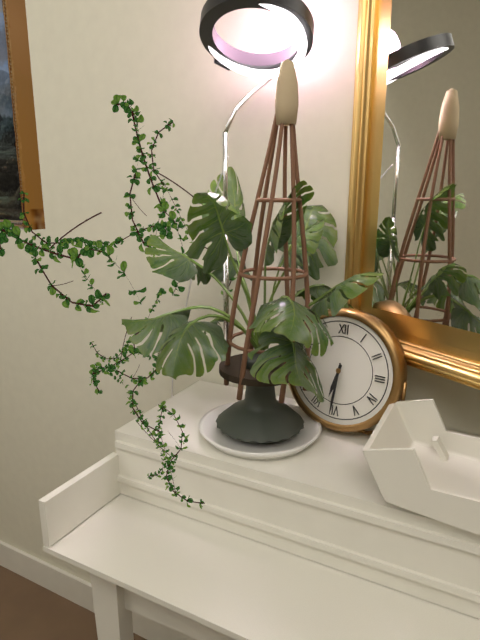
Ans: 6:31
